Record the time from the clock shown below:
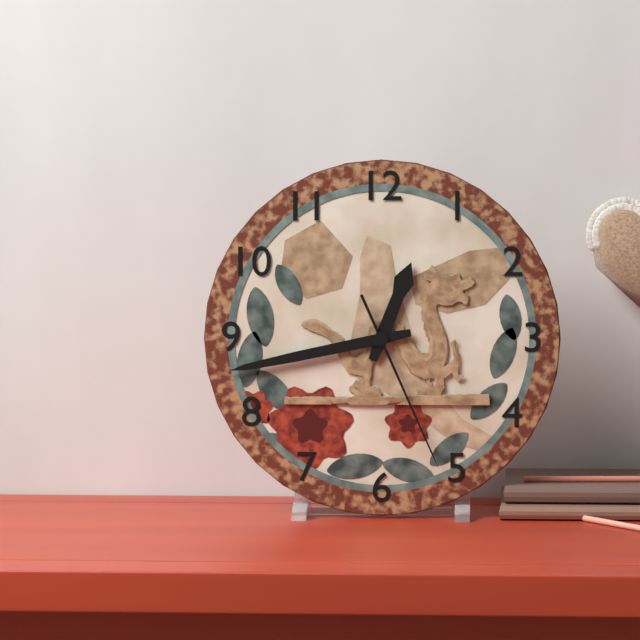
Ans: 12:43:26
